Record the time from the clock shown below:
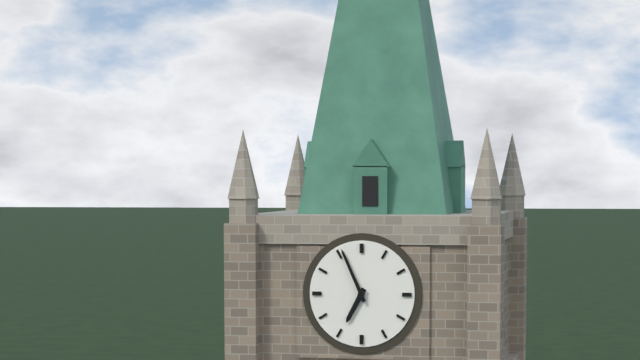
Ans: 6:56
